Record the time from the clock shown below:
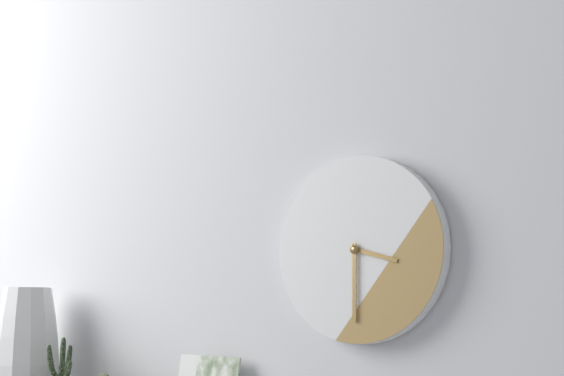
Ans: 3:30
